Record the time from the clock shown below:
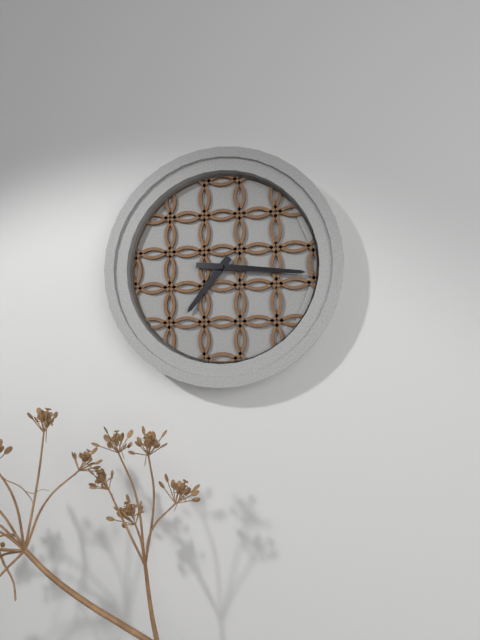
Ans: 7:16
